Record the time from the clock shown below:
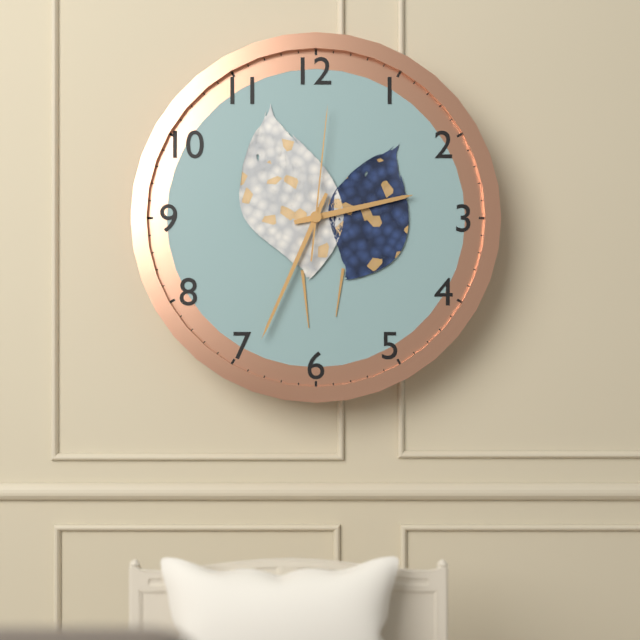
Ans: 2:34:01
